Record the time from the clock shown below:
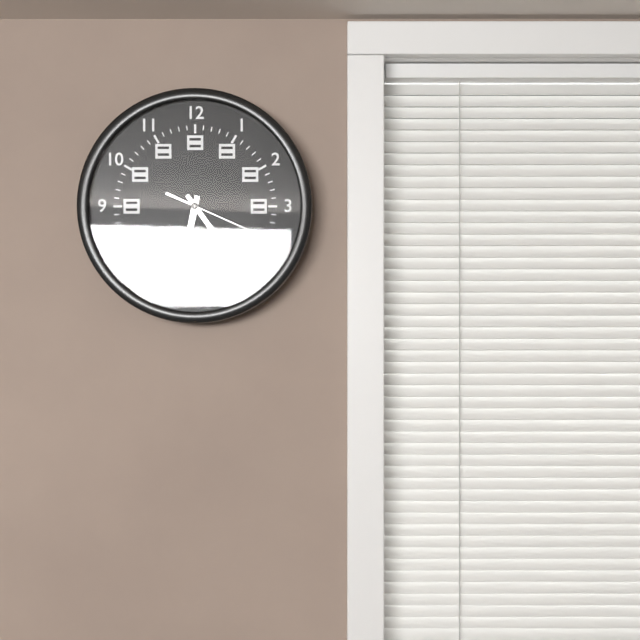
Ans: 6:24:19
